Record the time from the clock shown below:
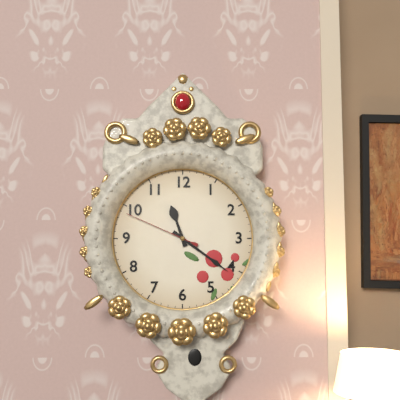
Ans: 11:21:49
